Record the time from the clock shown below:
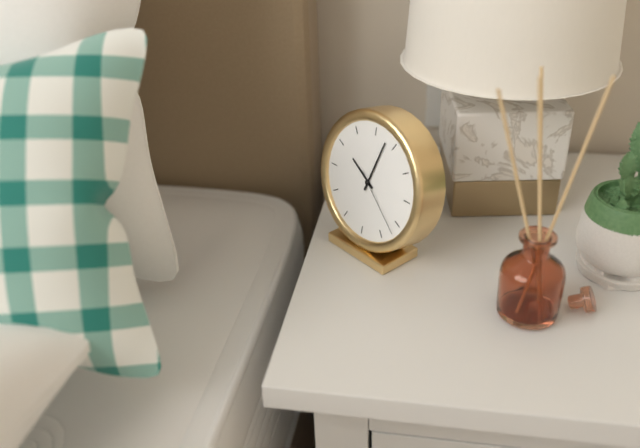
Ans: 10:03:22
